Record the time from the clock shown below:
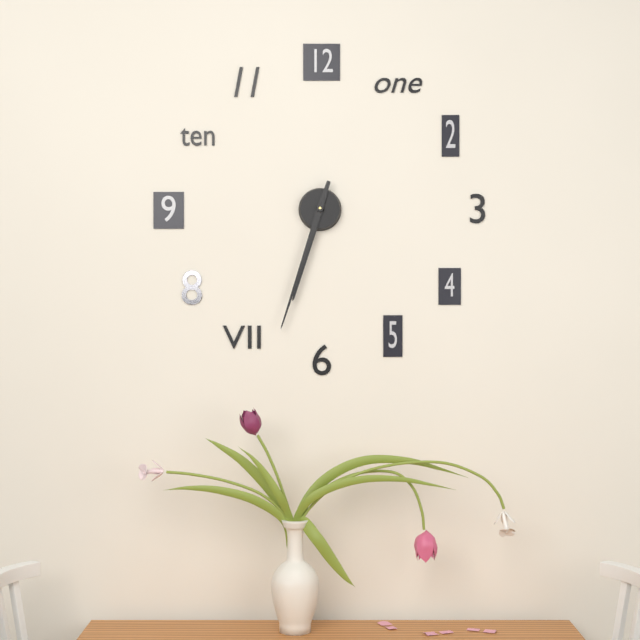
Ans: 6:33
